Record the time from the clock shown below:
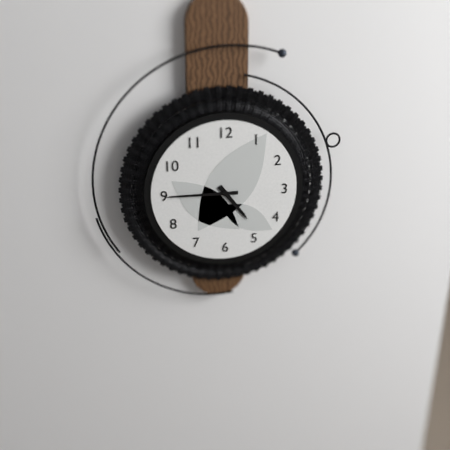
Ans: 4:45
